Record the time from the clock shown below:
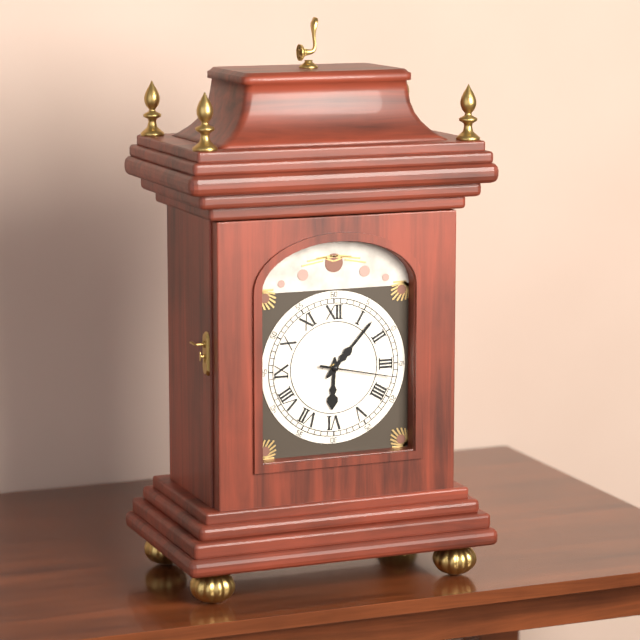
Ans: 6:07:17
